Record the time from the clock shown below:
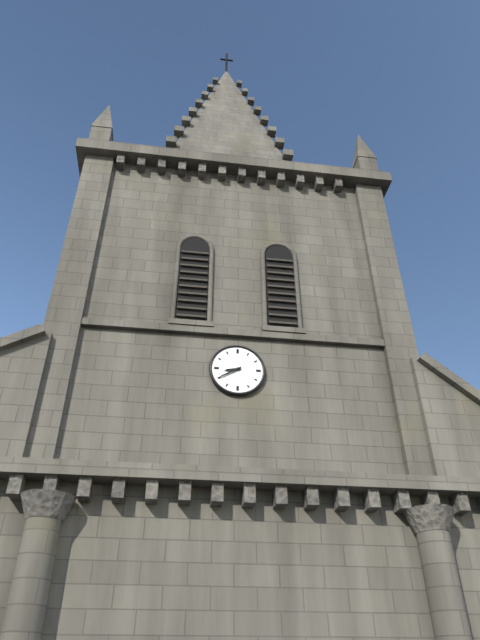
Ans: 8:40
